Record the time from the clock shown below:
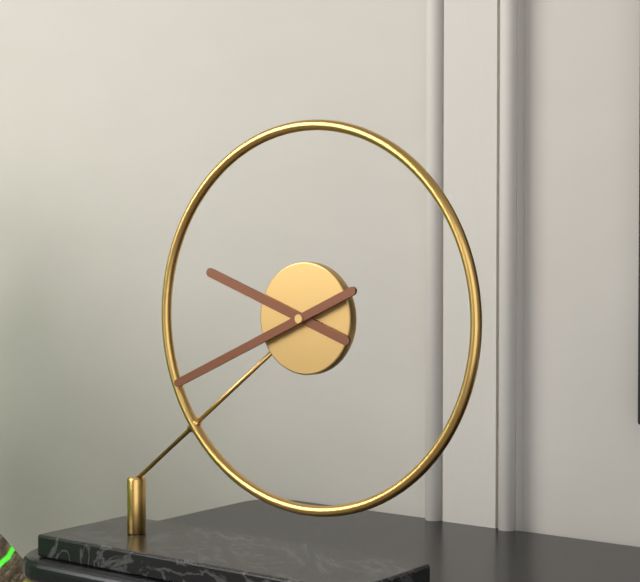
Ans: 9:41
